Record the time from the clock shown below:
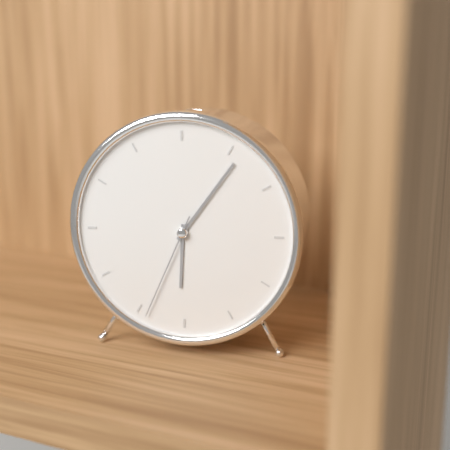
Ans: 6:06:34
